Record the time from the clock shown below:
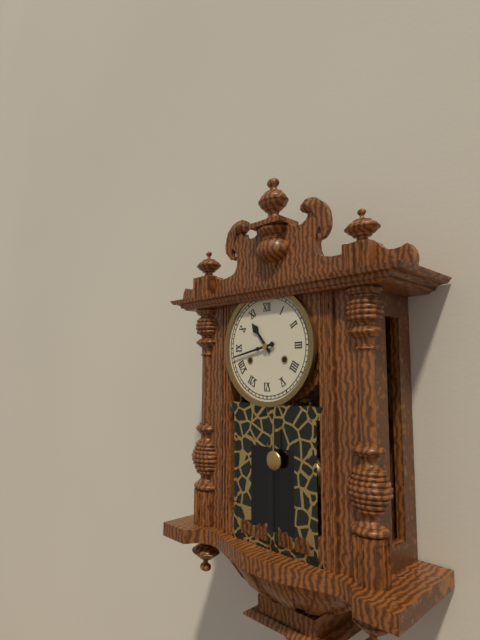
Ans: 10:43
